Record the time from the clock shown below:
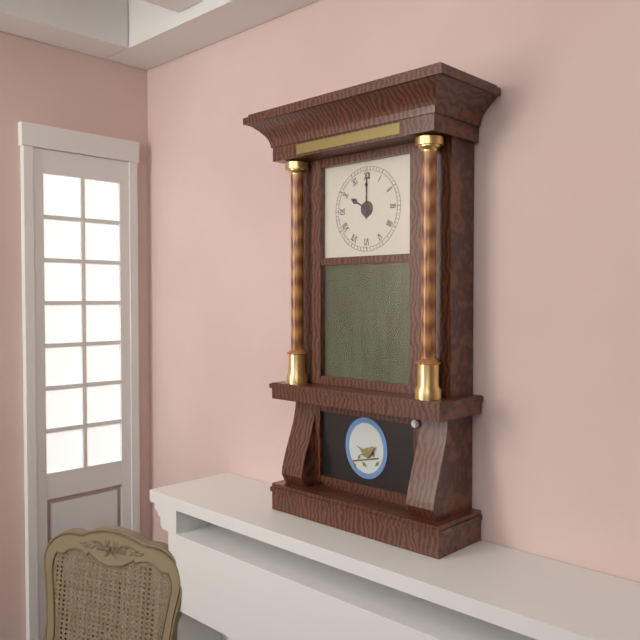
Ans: 10:00
